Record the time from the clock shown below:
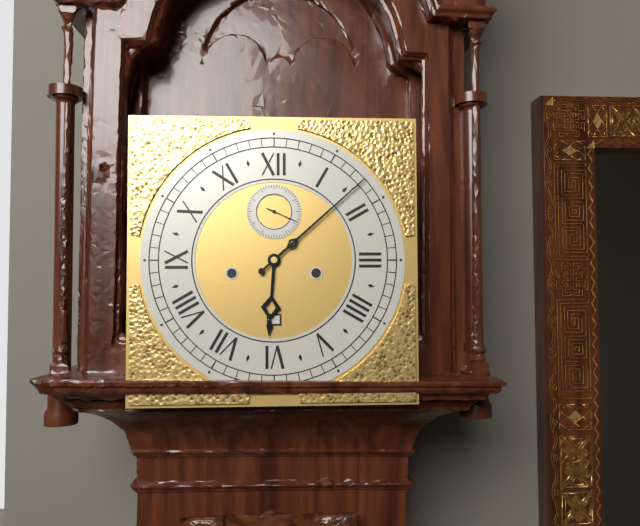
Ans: 6:08
